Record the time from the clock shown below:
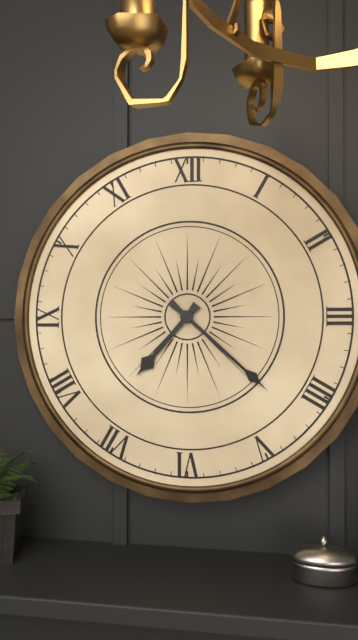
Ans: 7:22
